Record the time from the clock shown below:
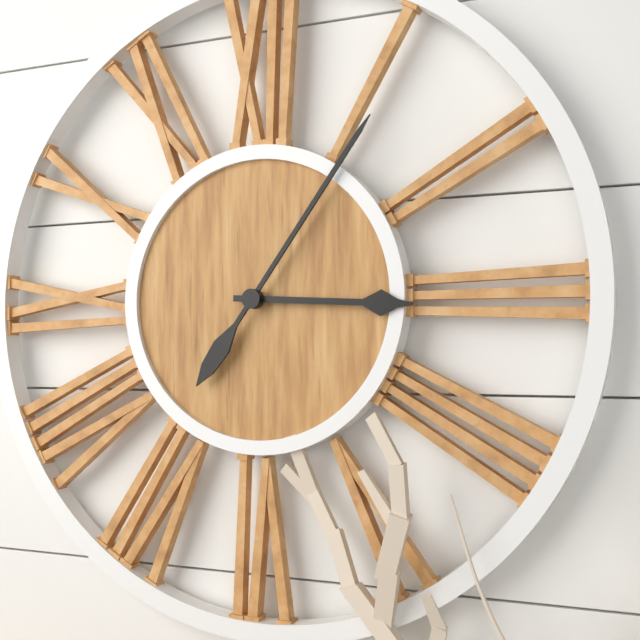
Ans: 3:06
